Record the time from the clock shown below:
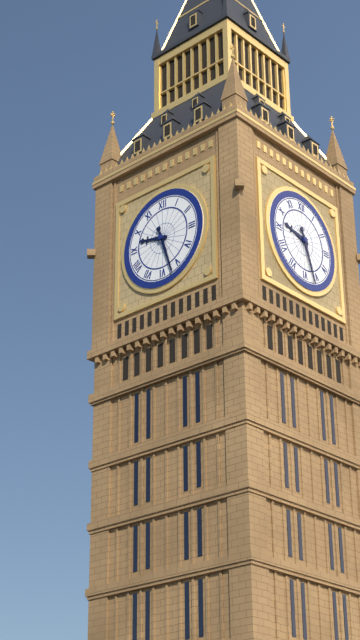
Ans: 9:27
